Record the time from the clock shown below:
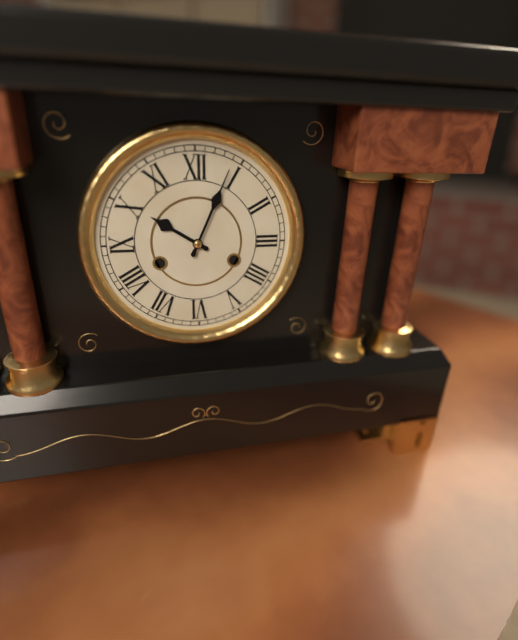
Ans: 10:04
